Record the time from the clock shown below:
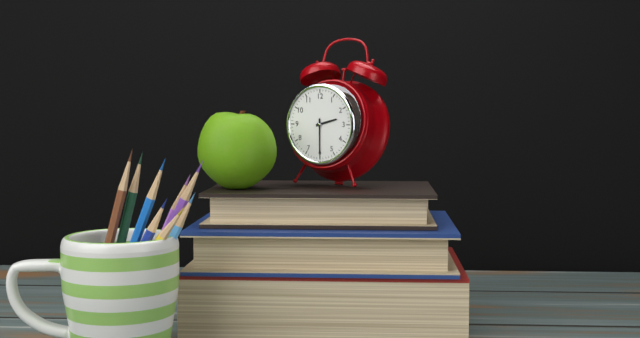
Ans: 2:30
